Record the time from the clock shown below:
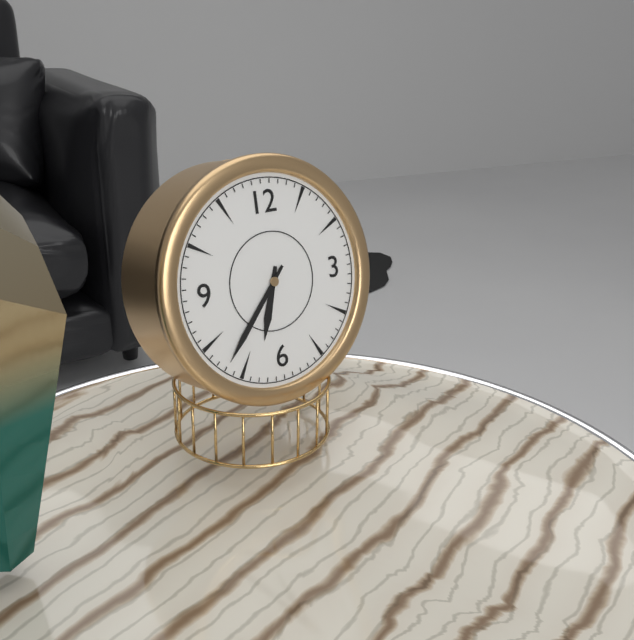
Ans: 6:37
